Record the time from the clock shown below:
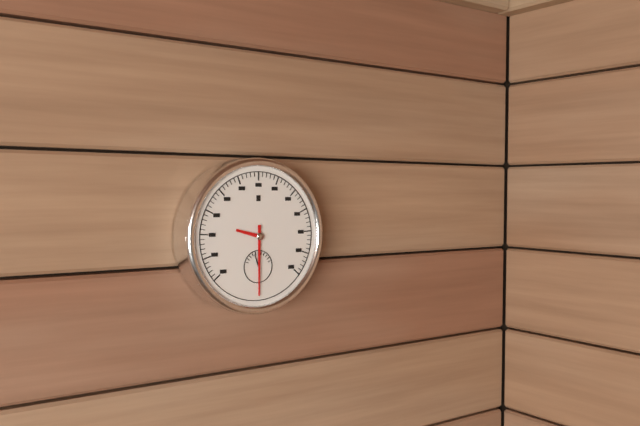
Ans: 9:30
